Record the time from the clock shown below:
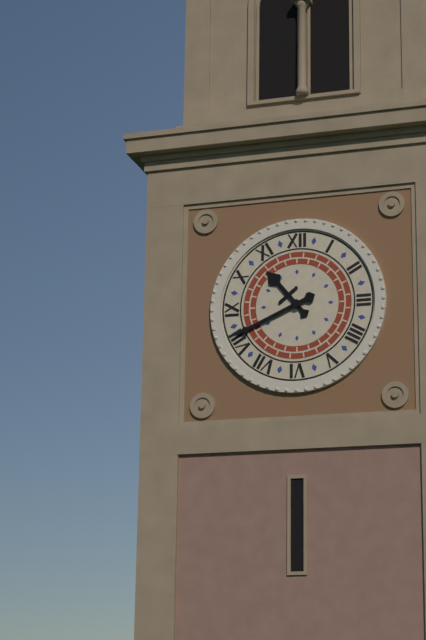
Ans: 10:41
